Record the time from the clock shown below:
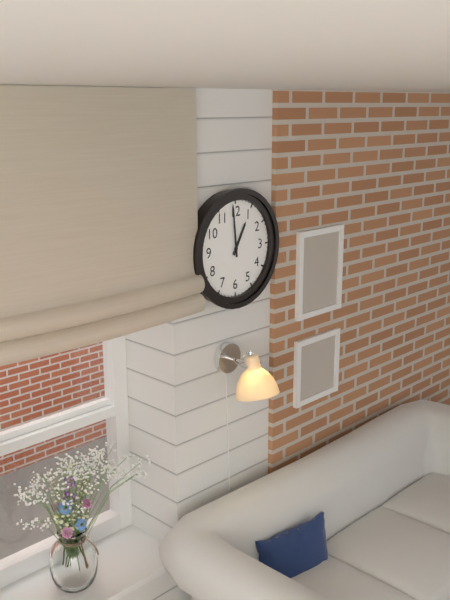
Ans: 12:59
